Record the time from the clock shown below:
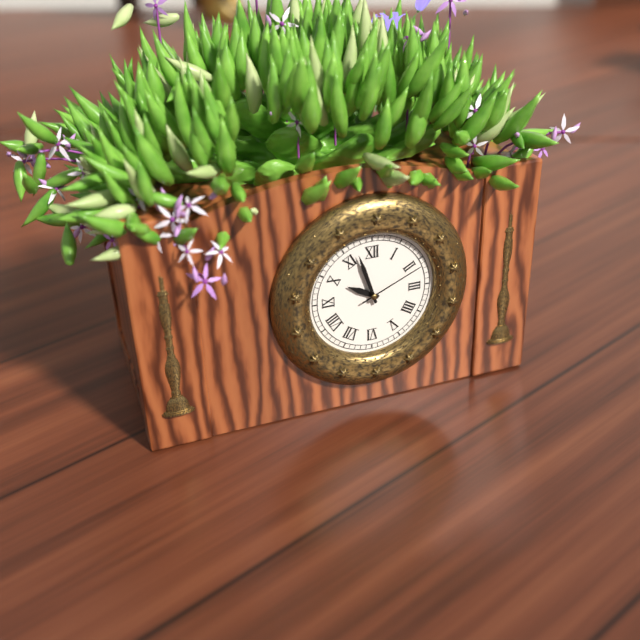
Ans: 9:57:11
